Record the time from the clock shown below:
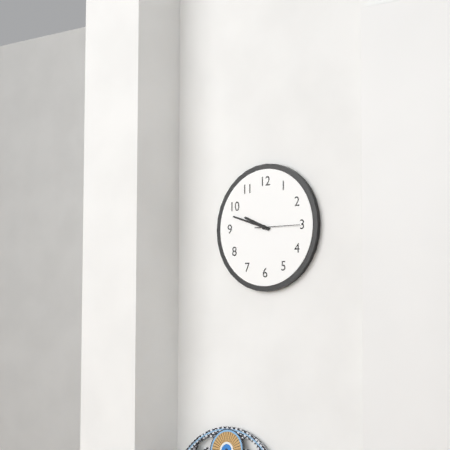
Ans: 9:48
